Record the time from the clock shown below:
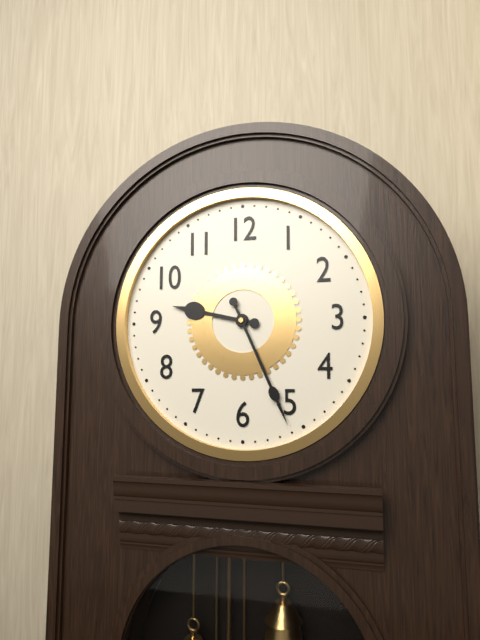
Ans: 9:26
